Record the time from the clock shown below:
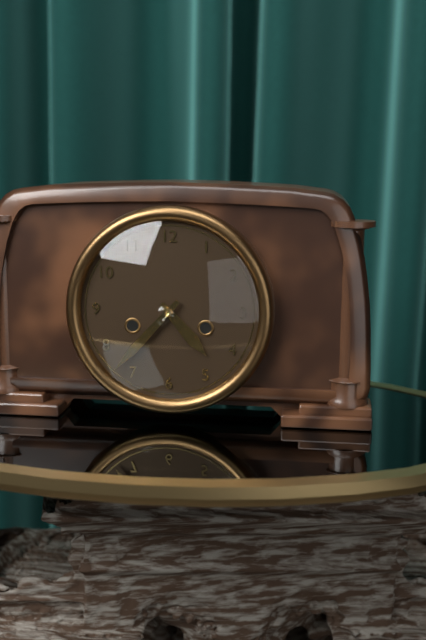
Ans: 4:37
